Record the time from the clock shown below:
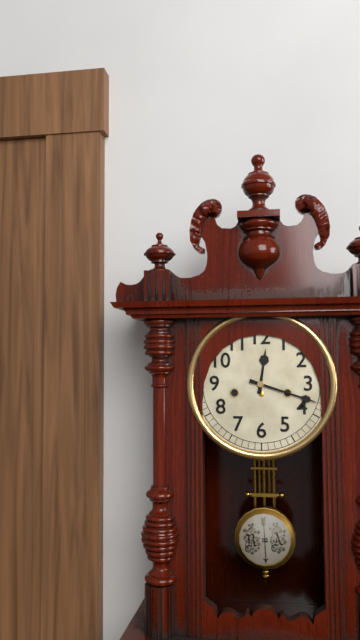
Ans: 12:18
